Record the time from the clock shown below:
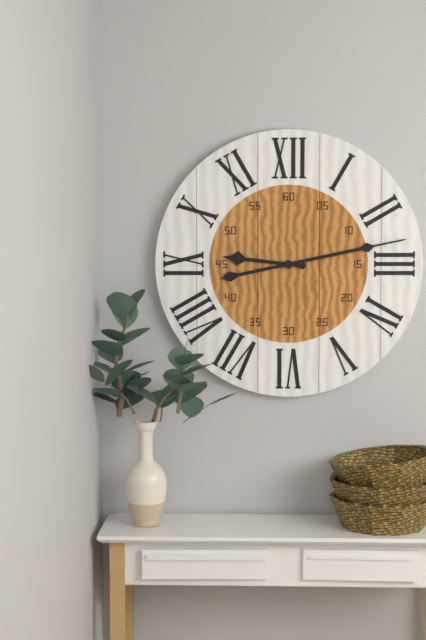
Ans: 9:13
